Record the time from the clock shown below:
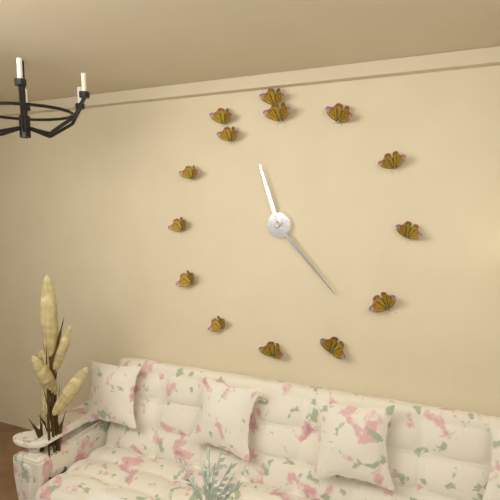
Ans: 11:23
